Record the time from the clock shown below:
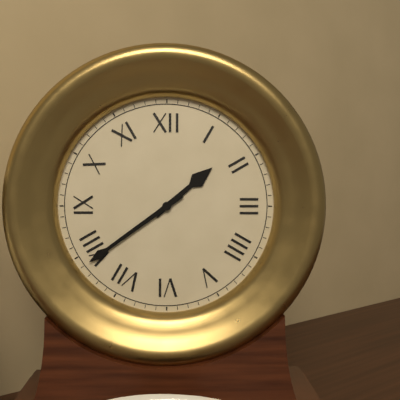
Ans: 1:39
